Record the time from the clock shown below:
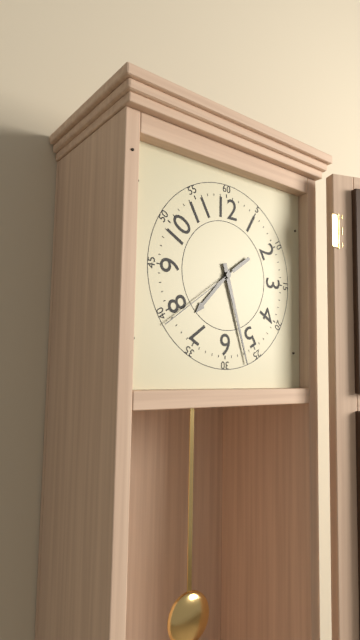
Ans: 7:27:39
